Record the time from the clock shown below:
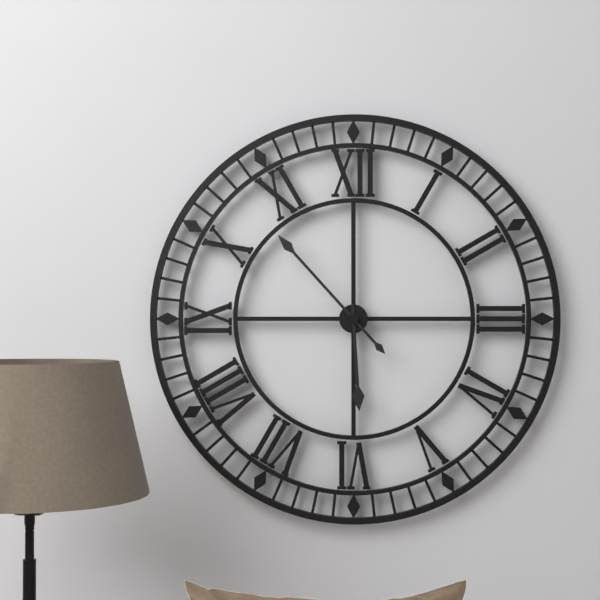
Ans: 5:53
